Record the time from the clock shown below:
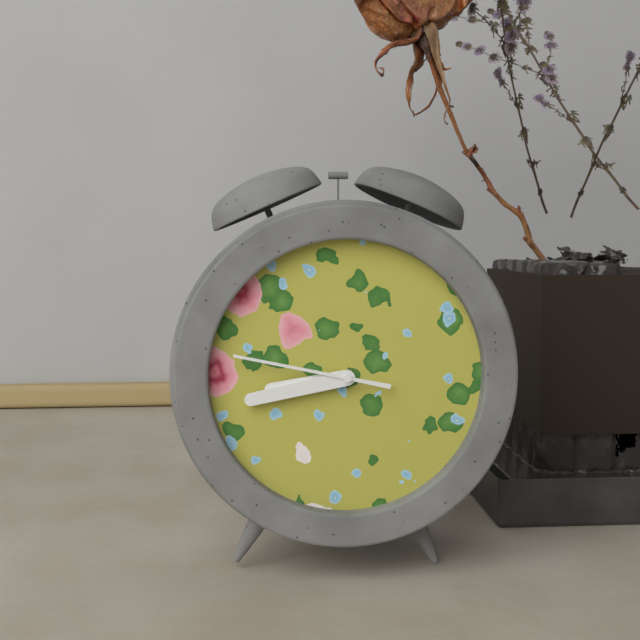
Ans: 8:43:47
